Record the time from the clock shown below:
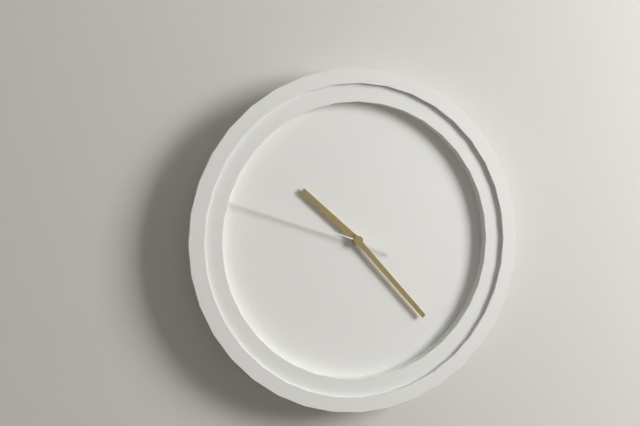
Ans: 10:23:48
